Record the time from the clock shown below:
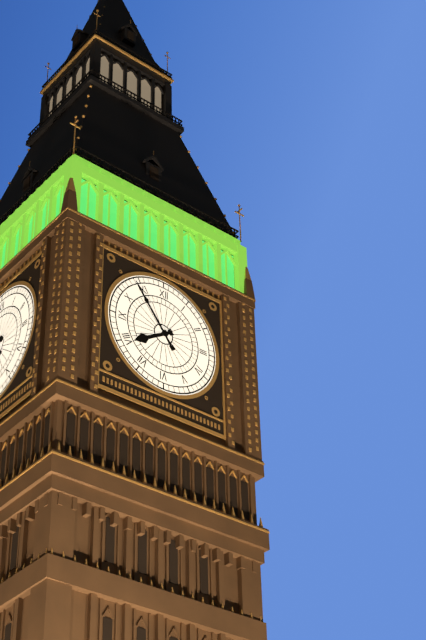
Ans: 7:54
